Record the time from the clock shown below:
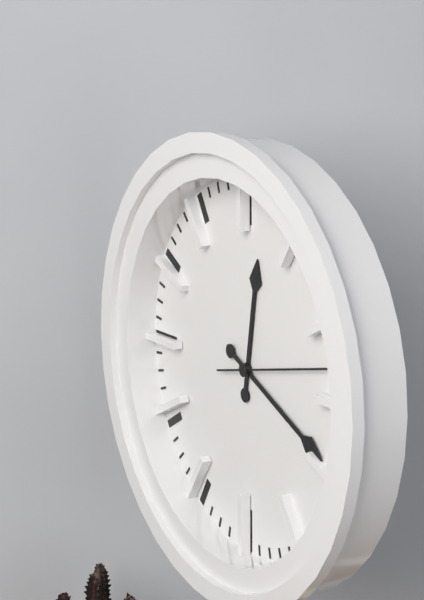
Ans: 12:19:13
